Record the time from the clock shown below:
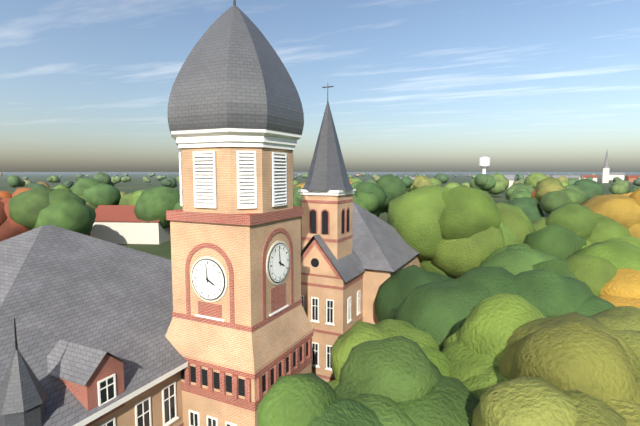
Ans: 3:59
